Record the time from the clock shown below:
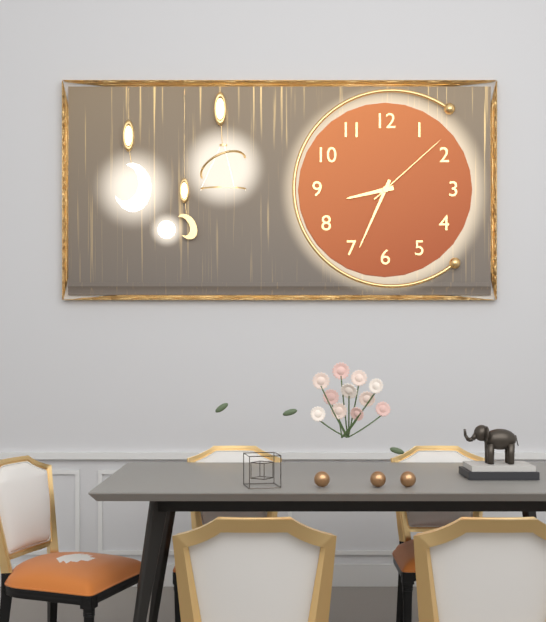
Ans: 8:34:08
